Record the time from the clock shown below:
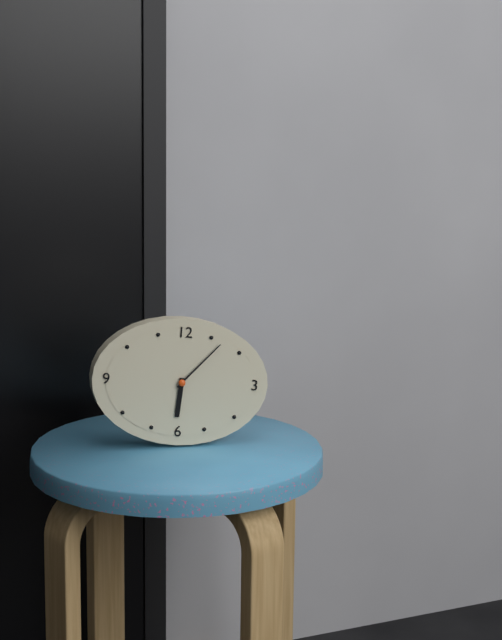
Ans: 6:07
